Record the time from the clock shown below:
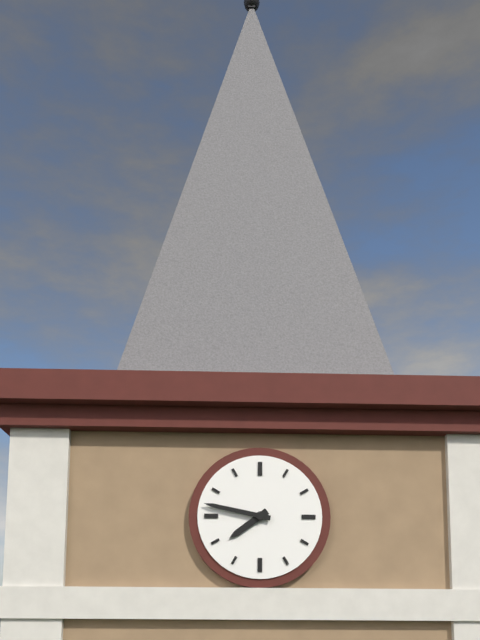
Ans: 7:47
